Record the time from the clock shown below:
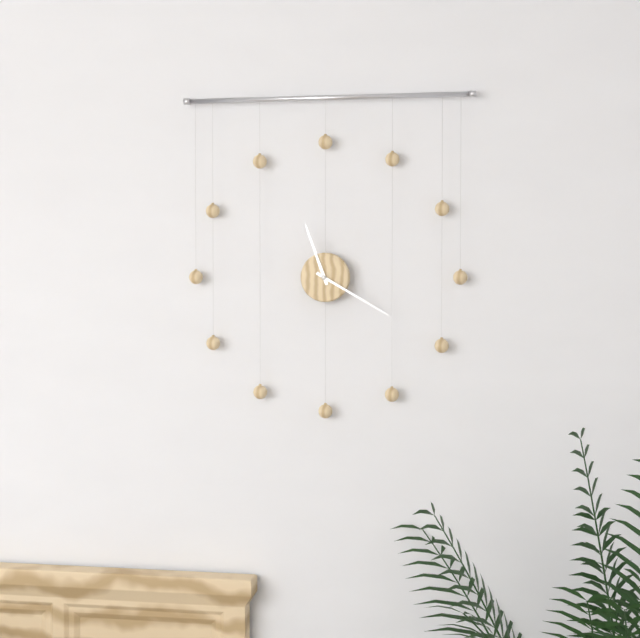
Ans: 11:20
